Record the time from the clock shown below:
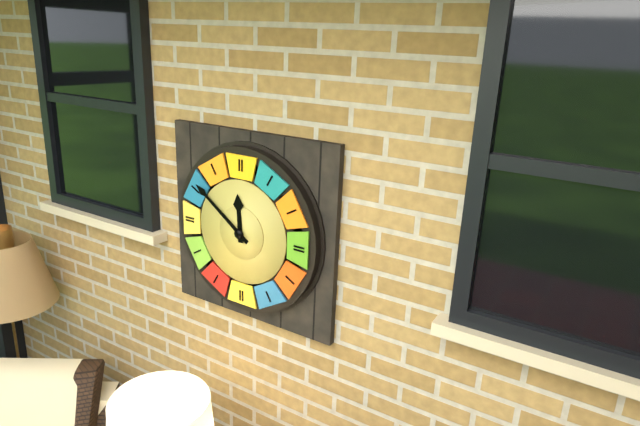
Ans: 11:51
